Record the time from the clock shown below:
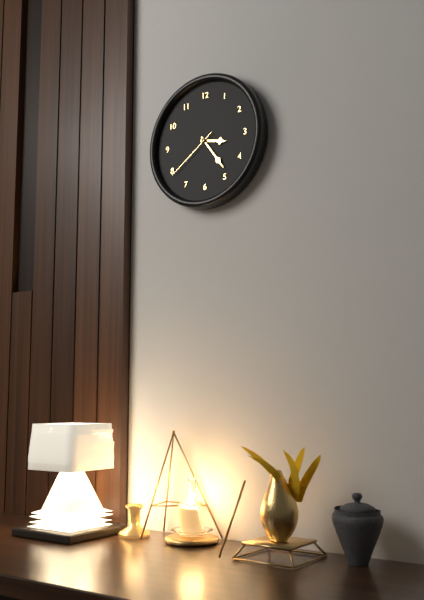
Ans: 3:24:39
